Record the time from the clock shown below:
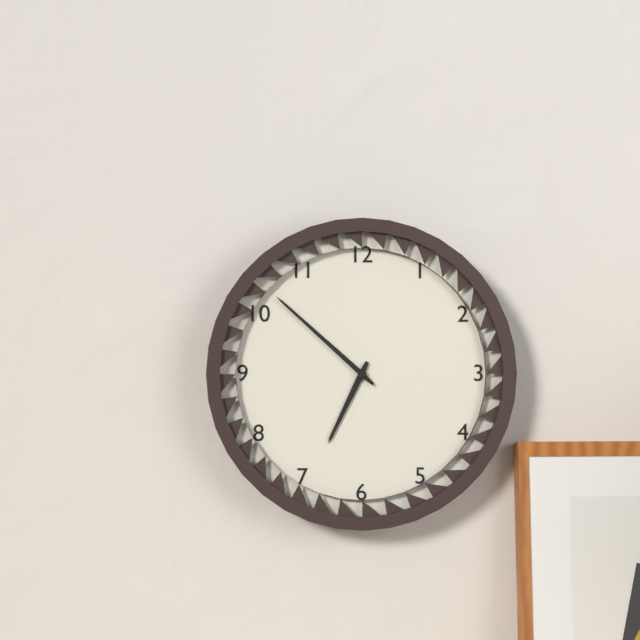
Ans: 6:52
